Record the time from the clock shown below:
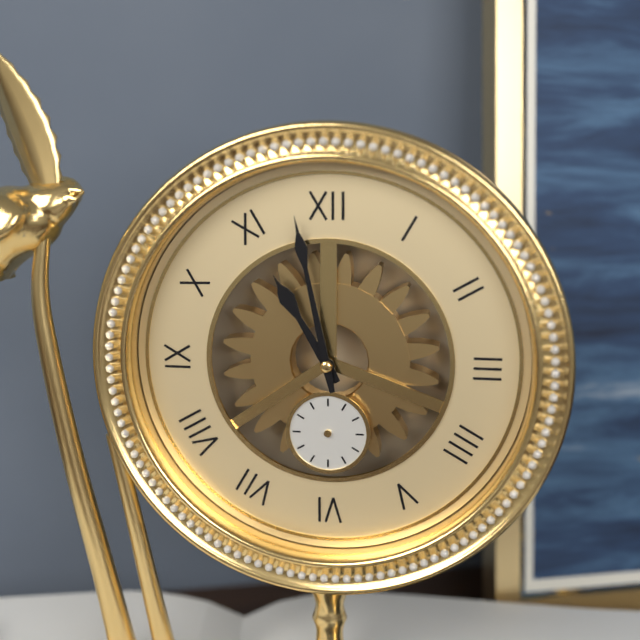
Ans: 10:58
